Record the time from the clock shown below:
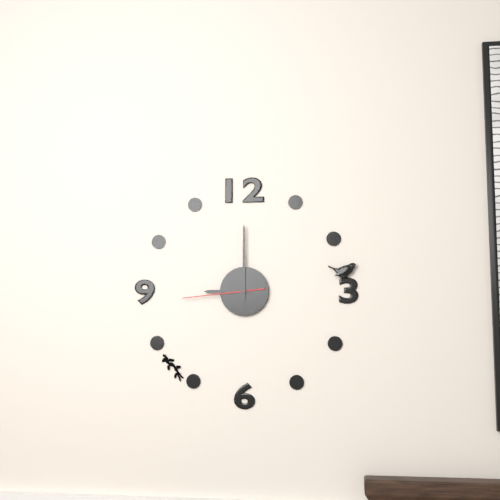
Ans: 9:00:44
